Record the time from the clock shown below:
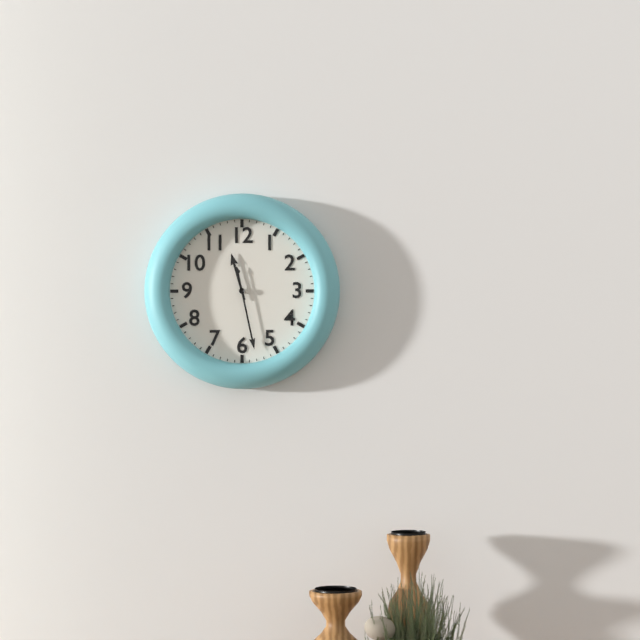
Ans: 11:28
